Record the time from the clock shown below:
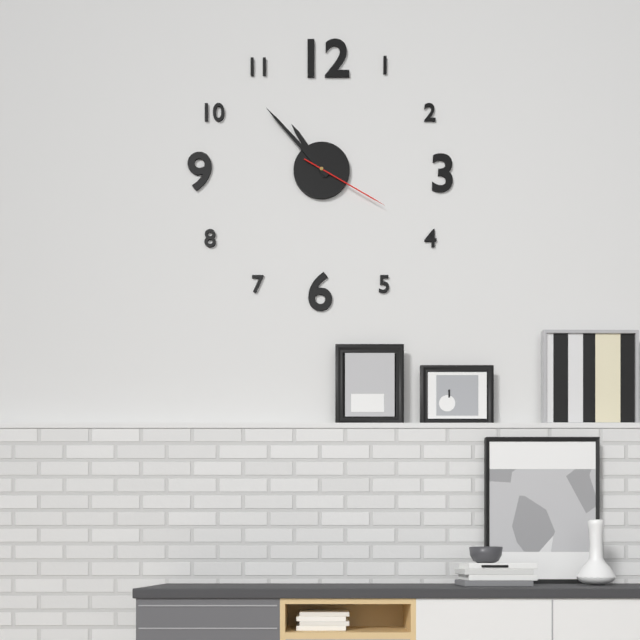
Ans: 10:53:20
